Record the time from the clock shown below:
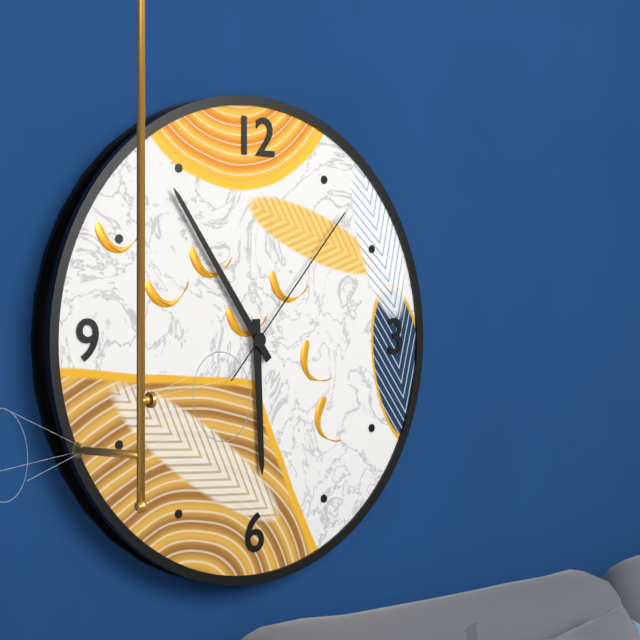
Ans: 5:54:07
